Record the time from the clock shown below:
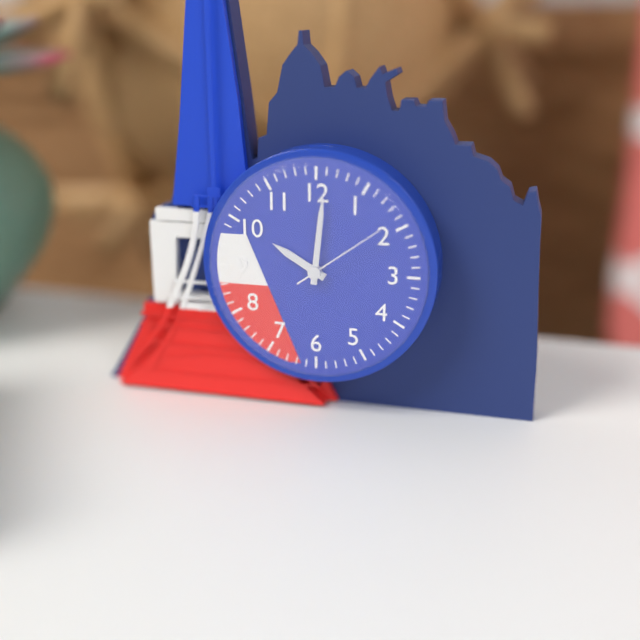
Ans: 10:01:09
